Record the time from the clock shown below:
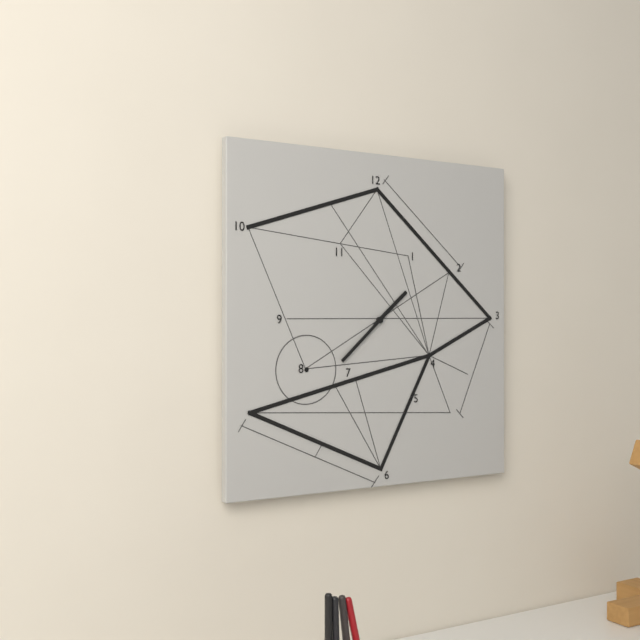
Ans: 1:38
